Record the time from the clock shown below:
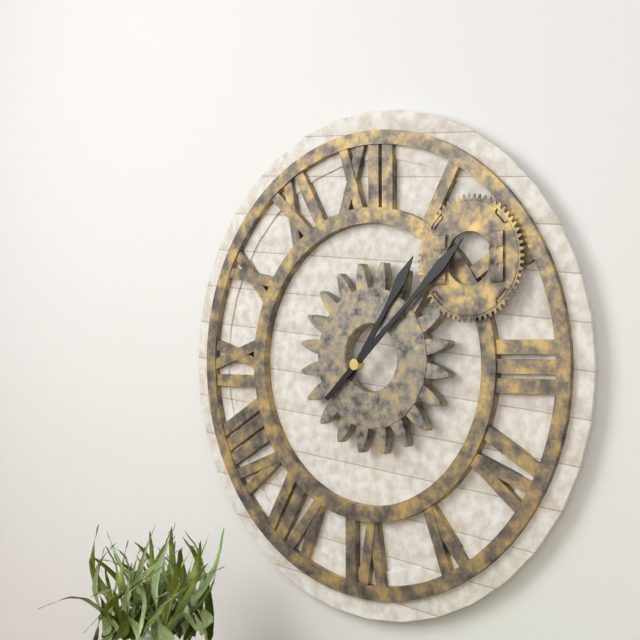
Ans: 1:08
